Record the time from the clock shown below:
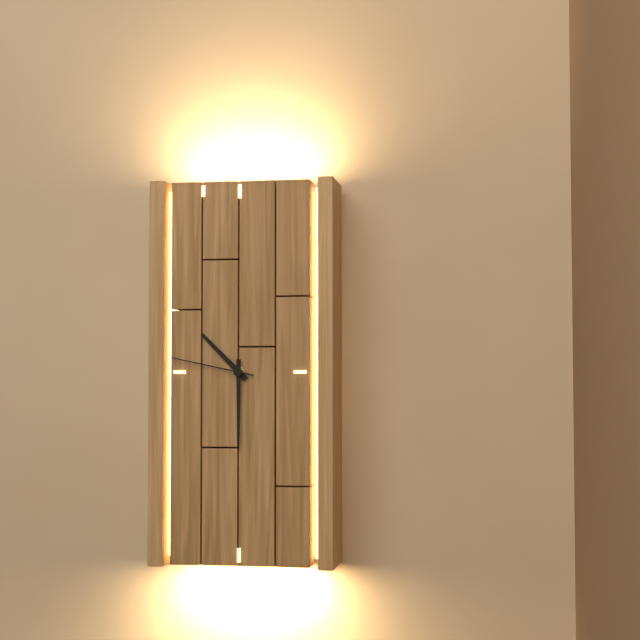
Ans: 10:30:47
